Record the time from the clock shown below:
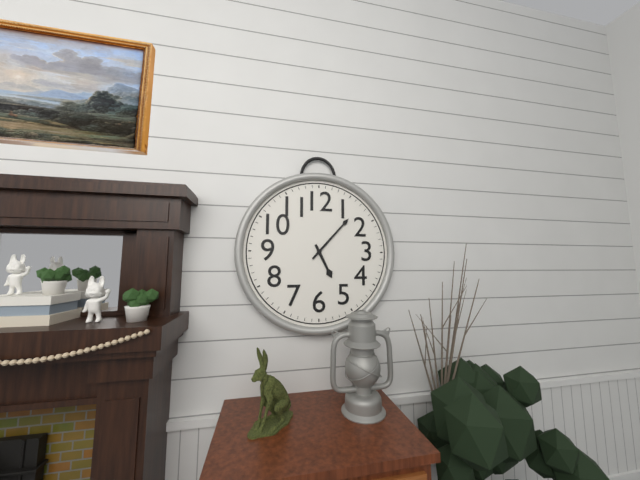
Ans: 5:07
